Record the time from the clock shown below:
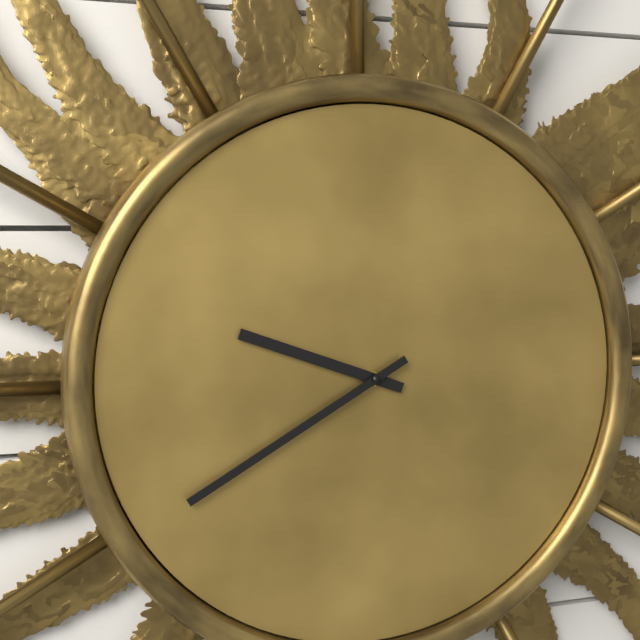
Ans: 9:40
